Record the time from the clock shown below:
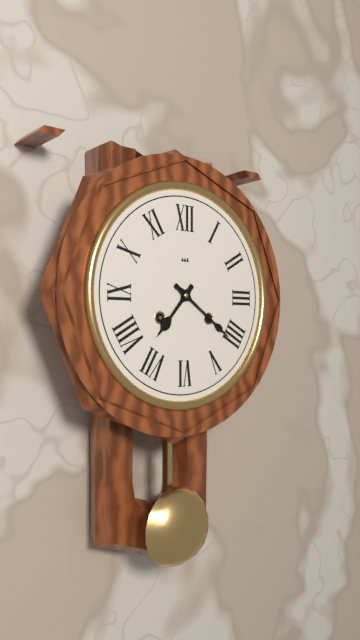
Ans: 7:21
